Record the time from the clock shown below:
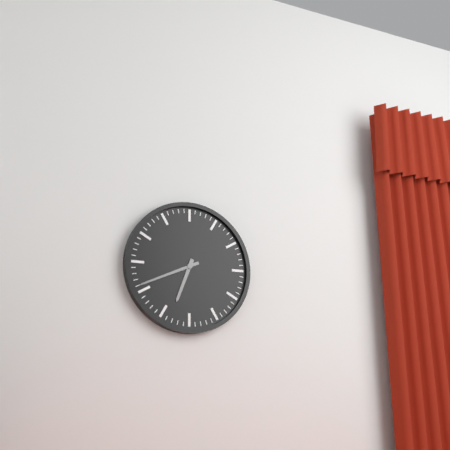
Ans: 6:41
